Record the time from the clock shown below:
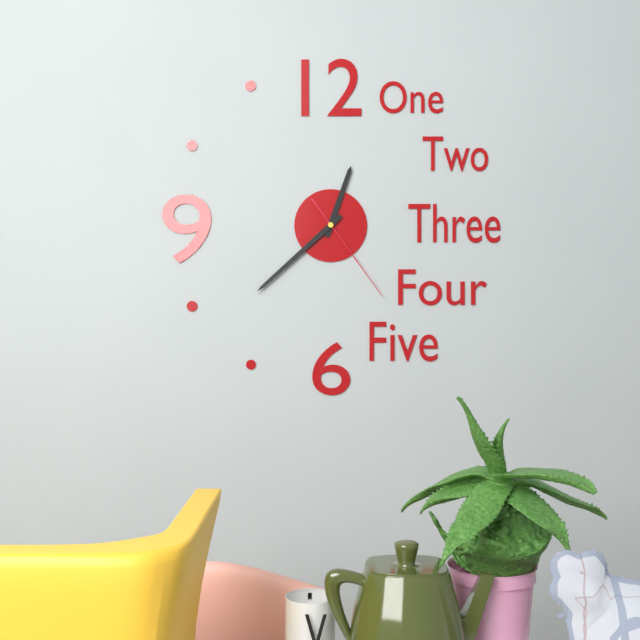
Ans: 12:38:24
